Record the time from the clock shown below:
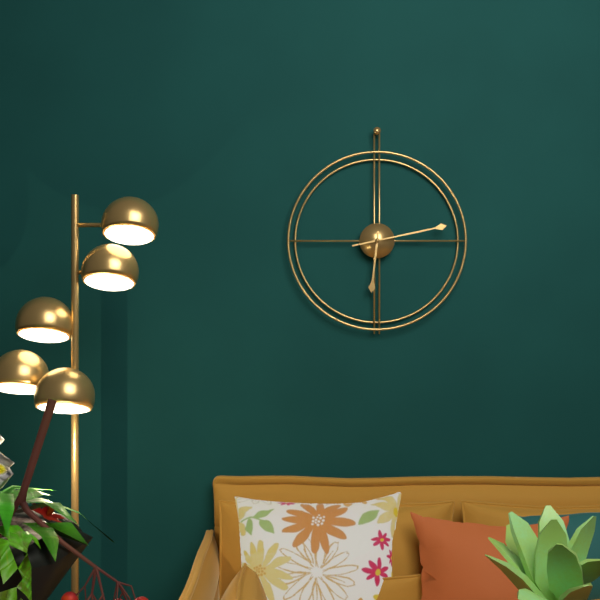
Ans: 6:13
